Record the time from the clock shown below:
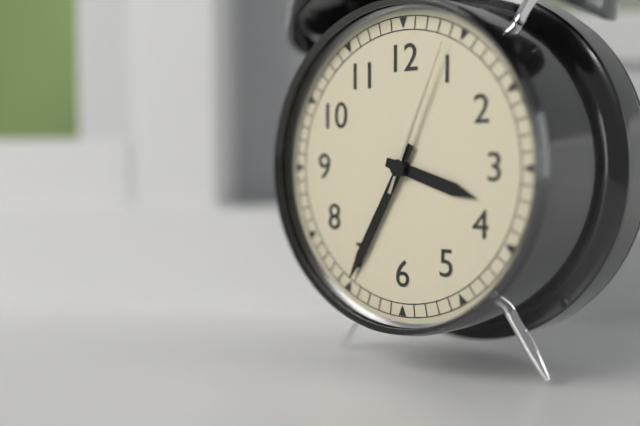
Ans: 3:35:04
